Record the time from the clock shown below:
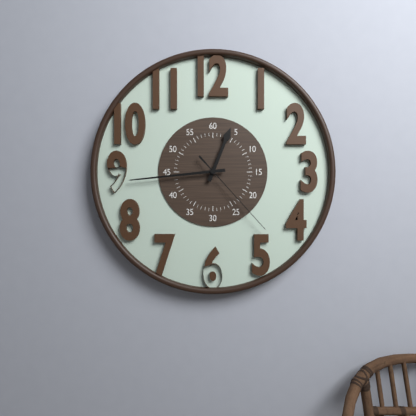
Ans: 12:44:23
